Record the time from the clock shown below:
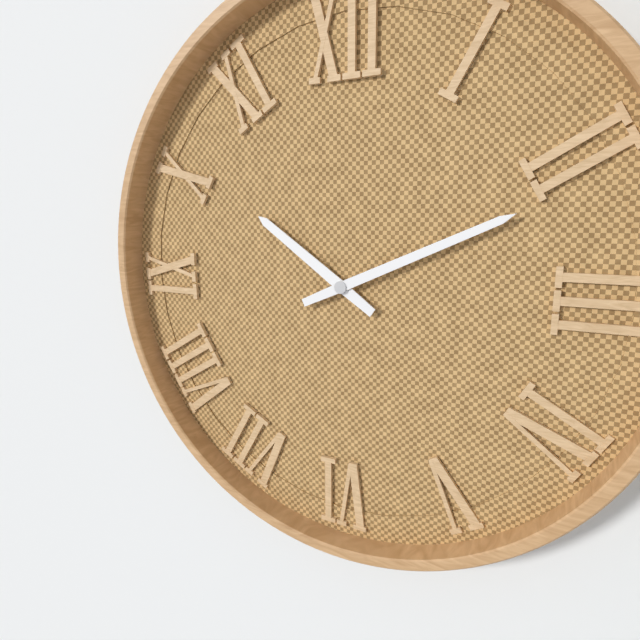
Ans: 10:11
